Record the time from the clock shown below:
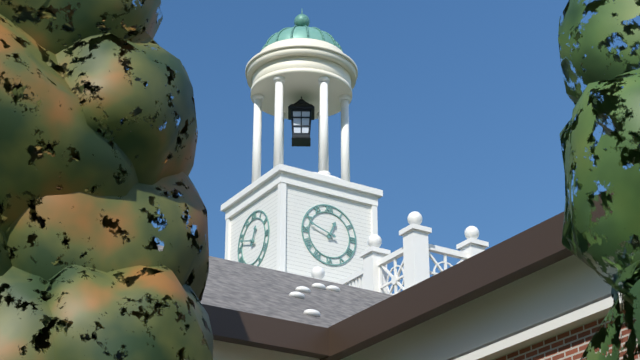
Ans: 12:48
